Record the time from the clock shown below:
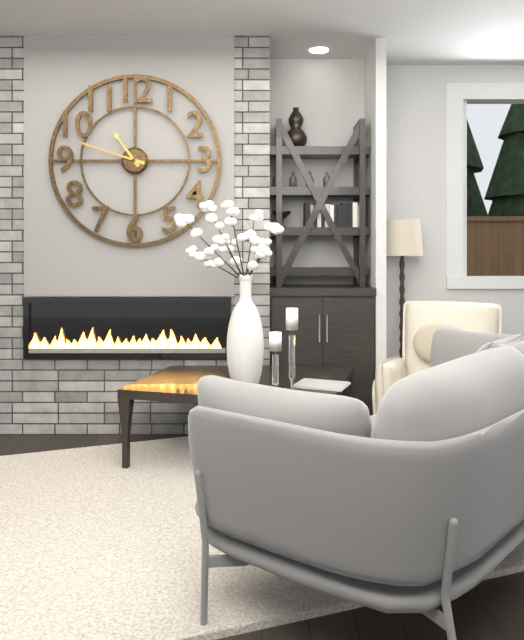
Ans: 10:48
